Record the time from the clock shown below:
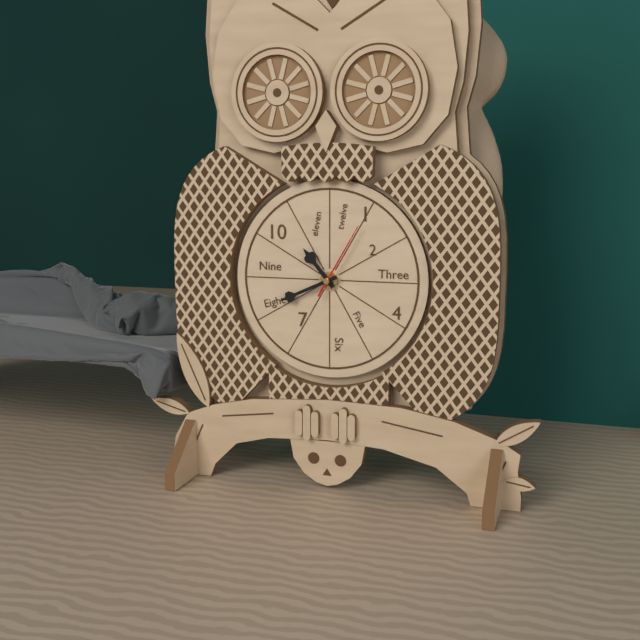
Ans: 10:41:05
